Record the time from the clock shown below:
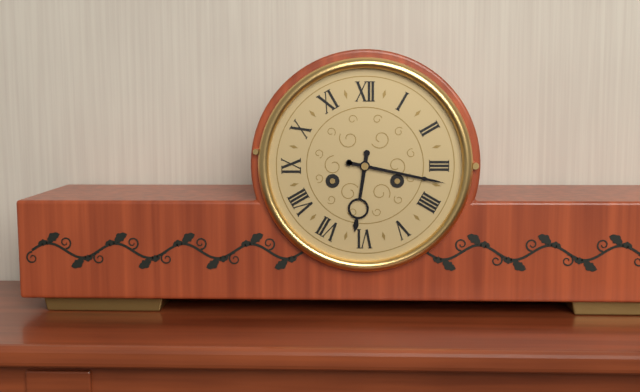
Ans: 6:17
